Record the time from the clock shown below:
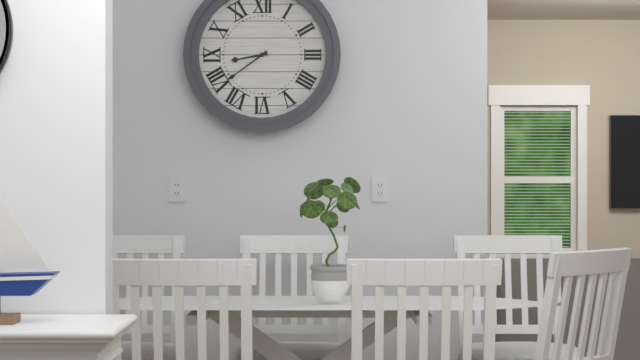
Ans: 8:39
